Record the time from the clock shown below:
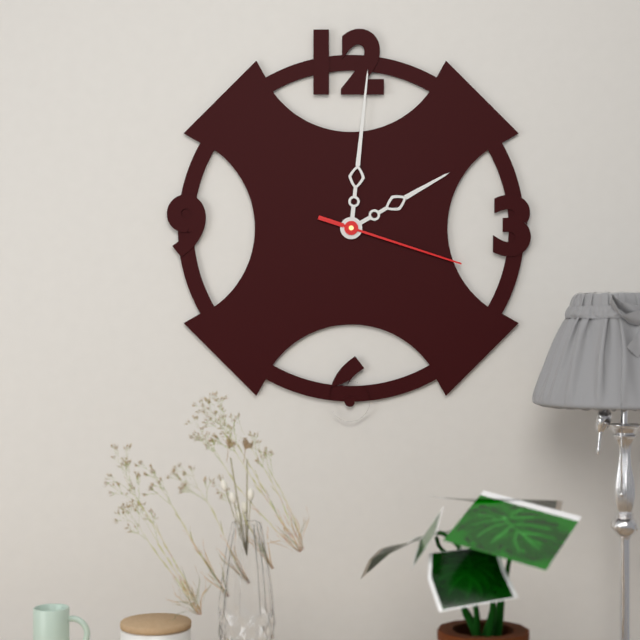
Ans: 2:01:18
